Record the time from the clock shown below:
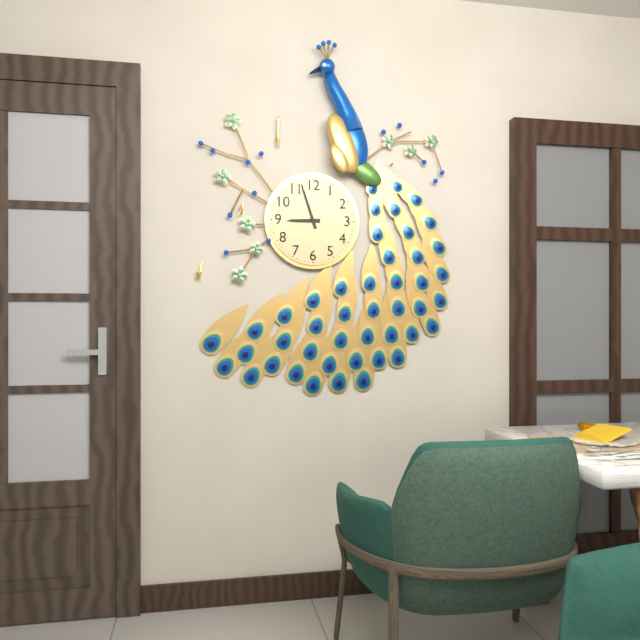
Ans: 8:57
